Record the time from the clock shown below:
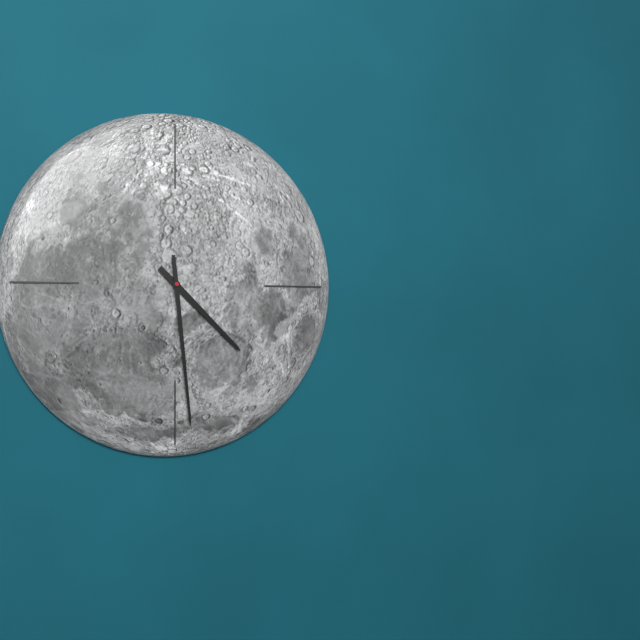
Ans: 4:29
